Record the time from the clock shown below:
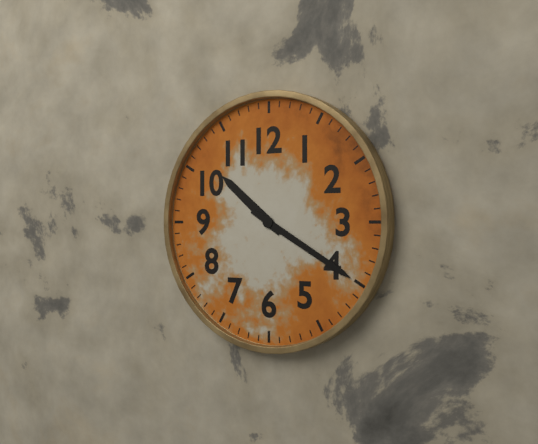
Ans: 10:20
